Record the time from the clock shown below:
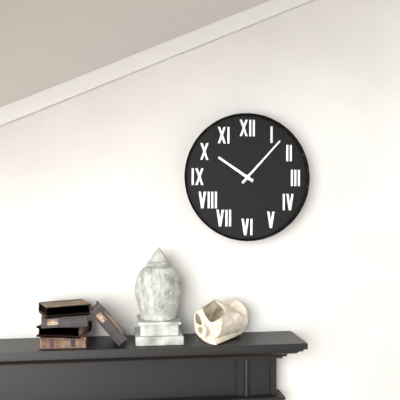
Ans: 10:07
